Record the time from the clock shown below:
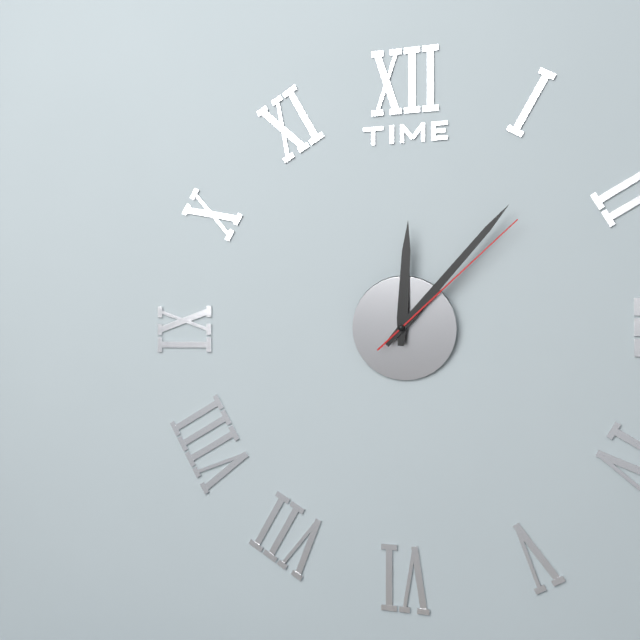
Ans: 12:07:08
